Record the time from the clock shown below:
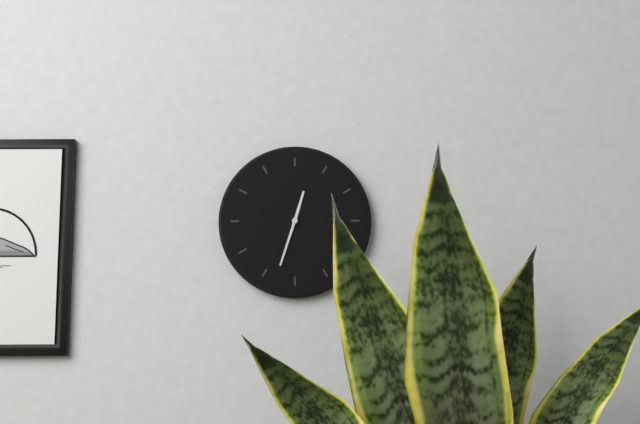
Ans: 12:33
